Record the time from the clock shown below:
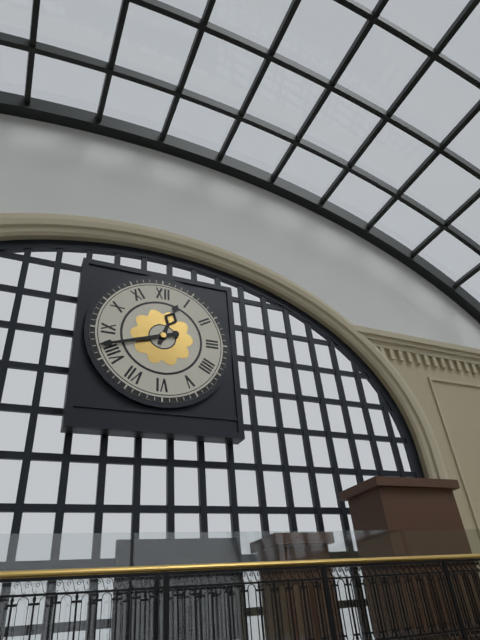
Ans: 12:42
